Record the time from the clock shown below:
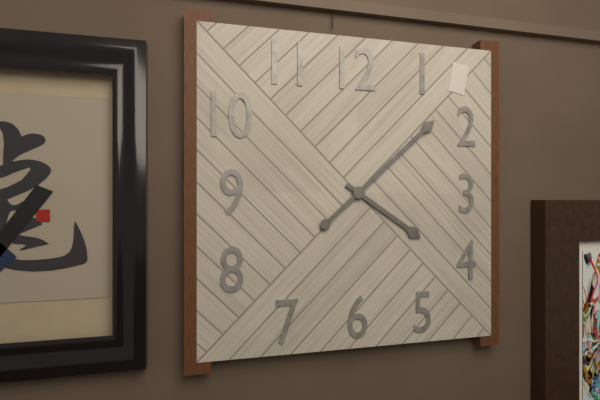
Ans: 4:08
